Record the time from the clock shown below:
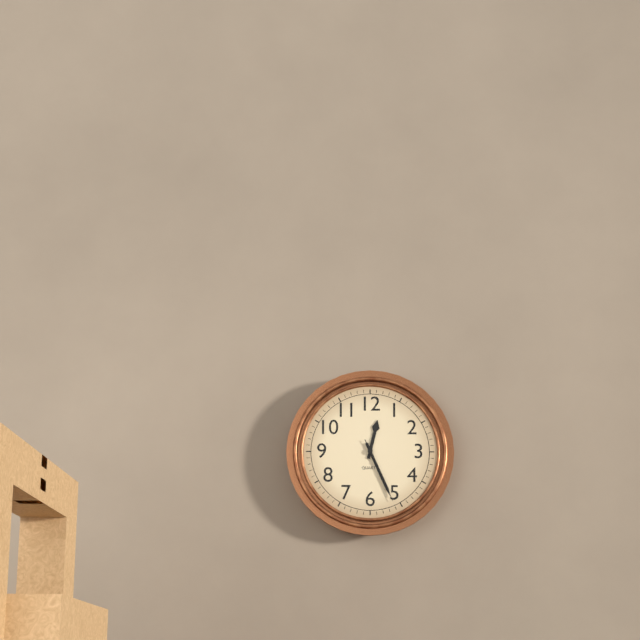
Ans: 12:26:26
